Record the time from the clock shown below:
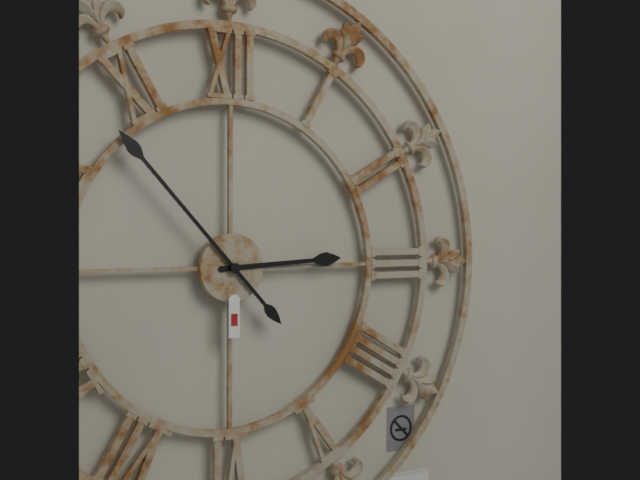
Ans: 2:53
